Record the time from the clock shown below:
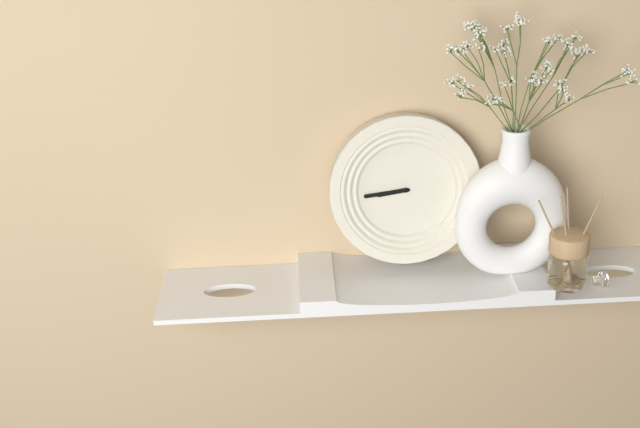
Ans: 8:44
